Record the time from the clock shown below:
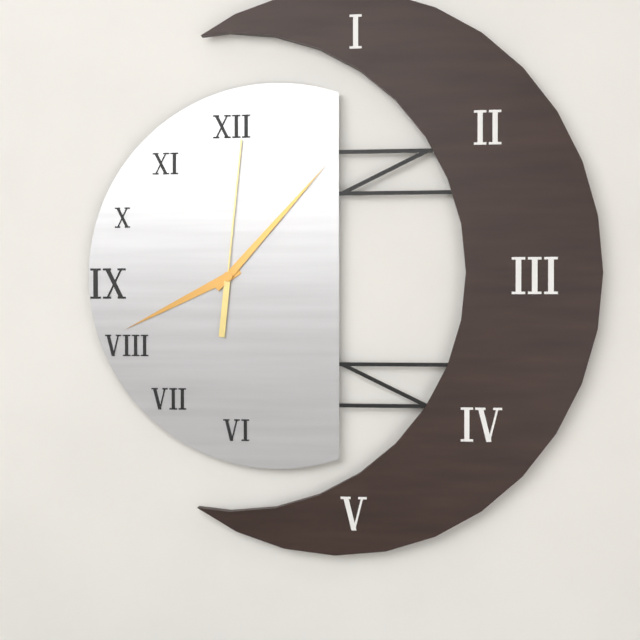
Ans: 8:07:01
